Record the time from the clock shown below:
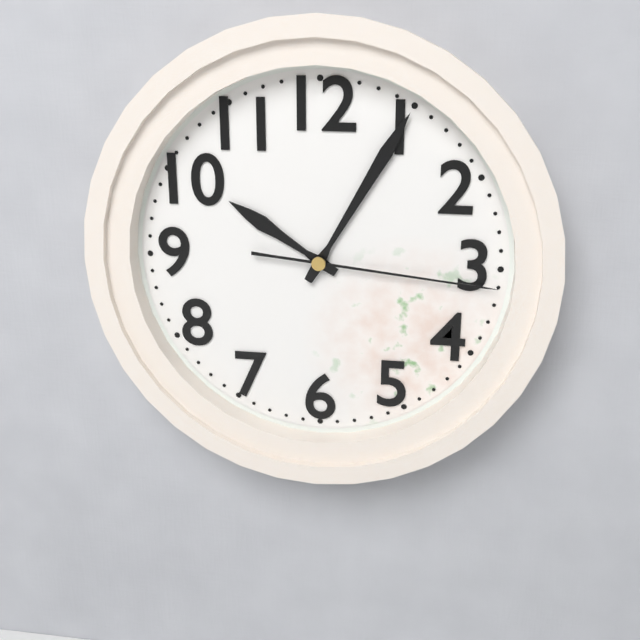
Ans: 10:05:16
